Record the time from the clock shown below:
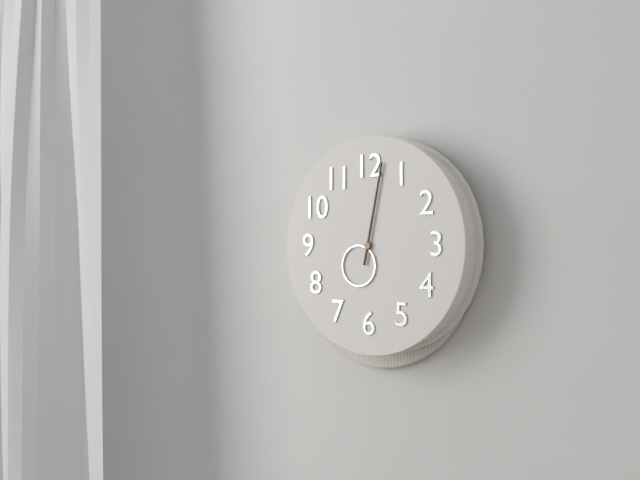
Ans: 7:02
